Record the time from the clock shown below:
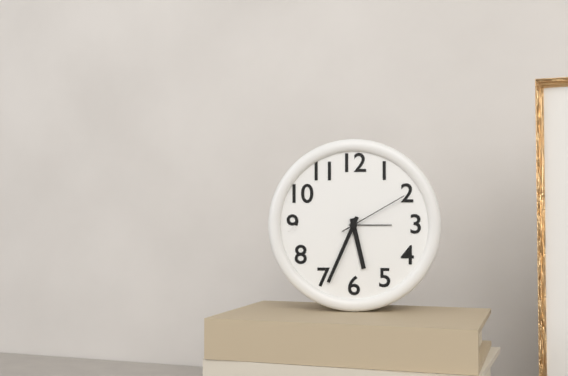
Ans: 5:34:10
